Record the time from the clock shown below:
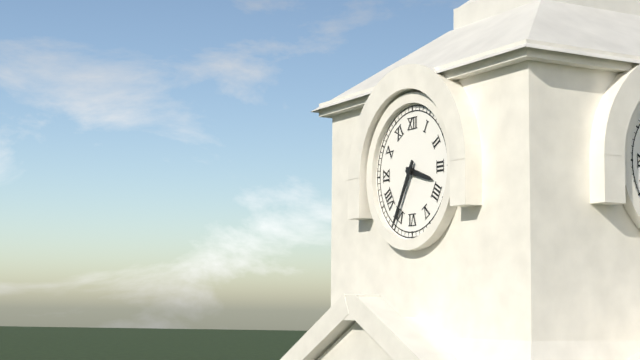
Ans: 3:35
